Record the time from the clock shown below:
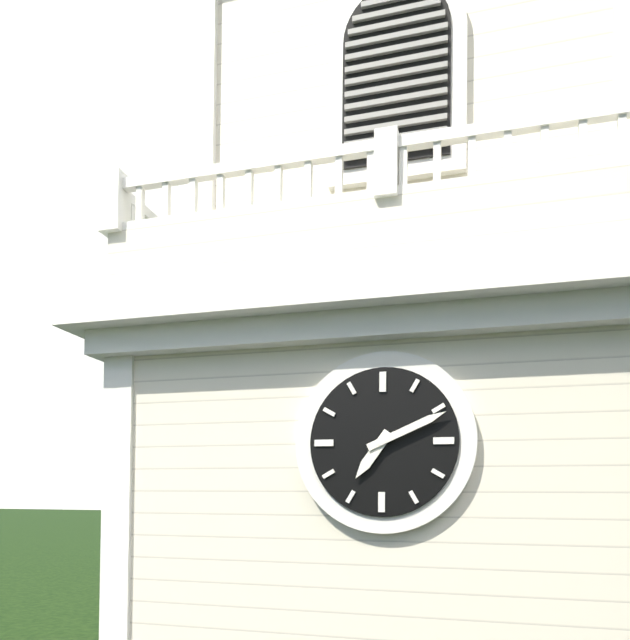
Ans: 7:11
